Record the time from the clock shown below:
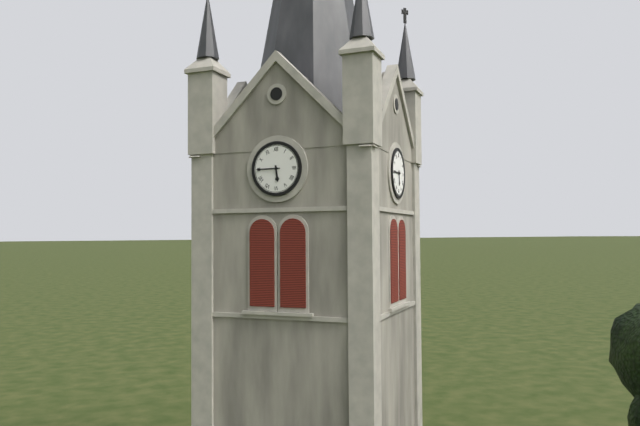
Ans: 5:45
